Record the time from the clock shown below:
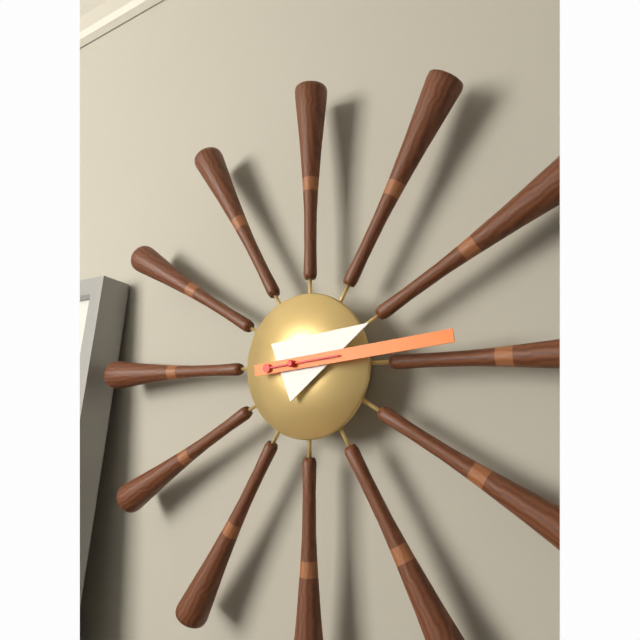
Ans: 2:14
